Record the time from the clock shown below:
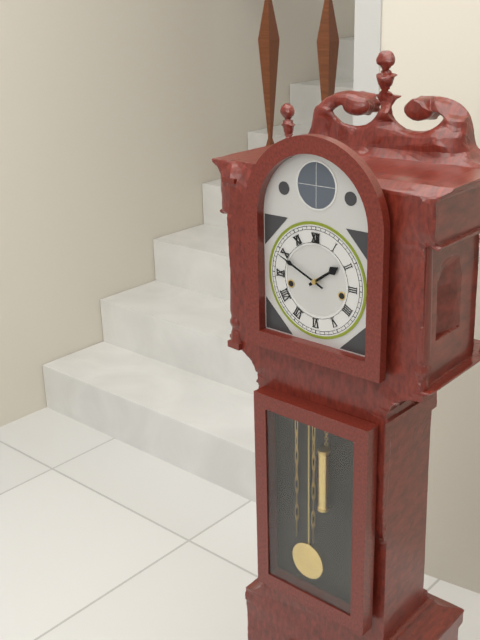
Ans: 1:49
